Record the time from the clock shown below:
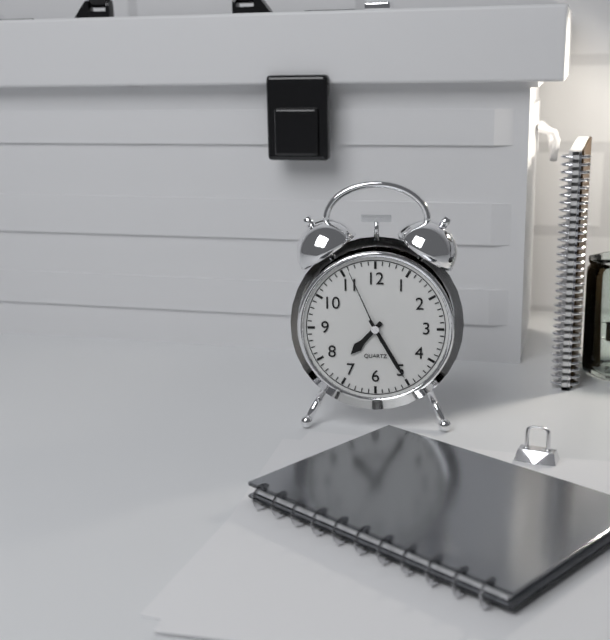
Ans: 7:25:56
